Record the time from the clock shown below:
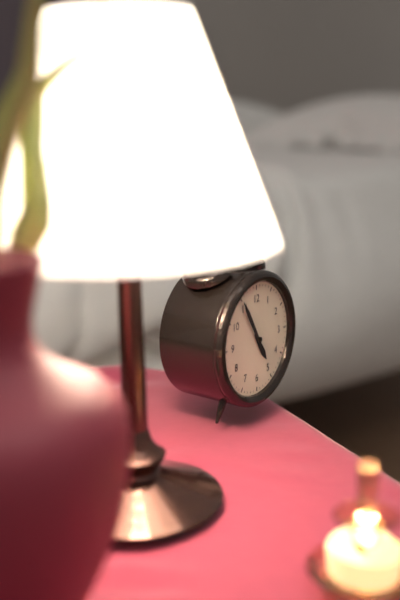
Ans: 4:55
